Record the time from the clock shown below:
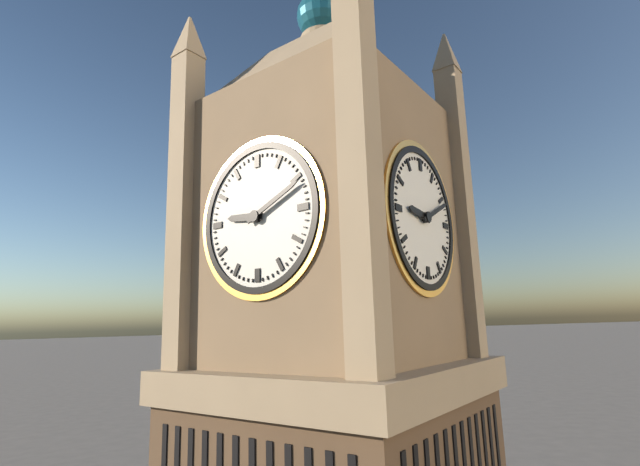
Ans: 9:11
